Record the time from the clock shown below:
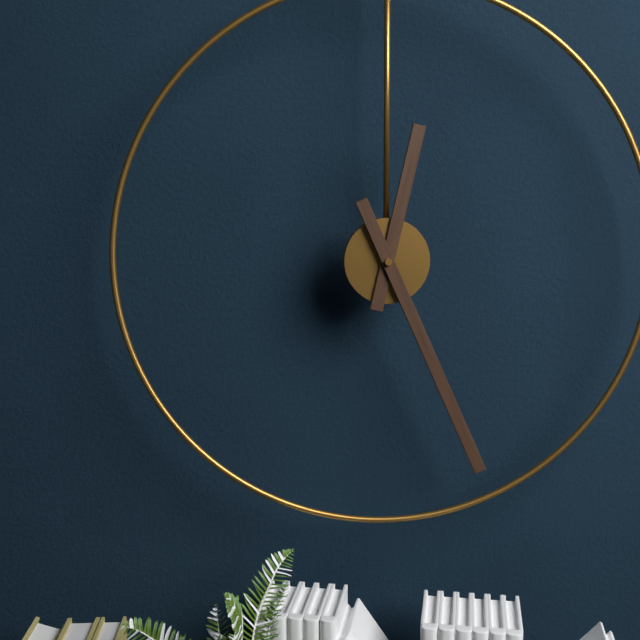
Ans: 12:26
